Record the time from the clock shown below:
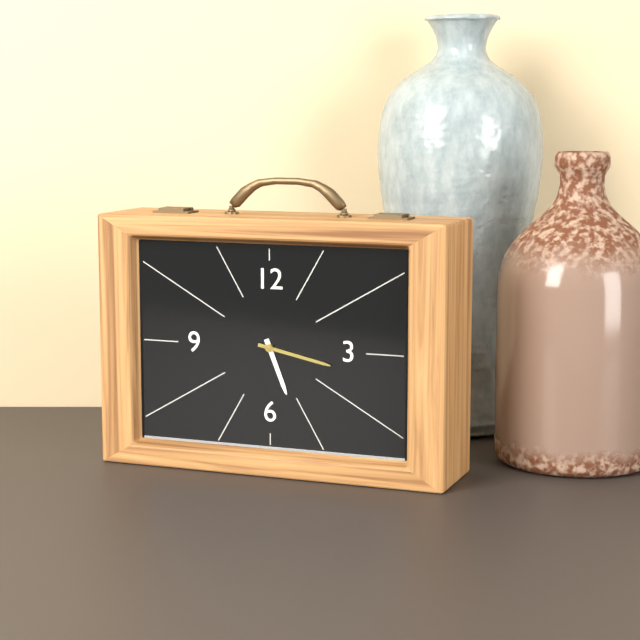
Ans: 5:17
